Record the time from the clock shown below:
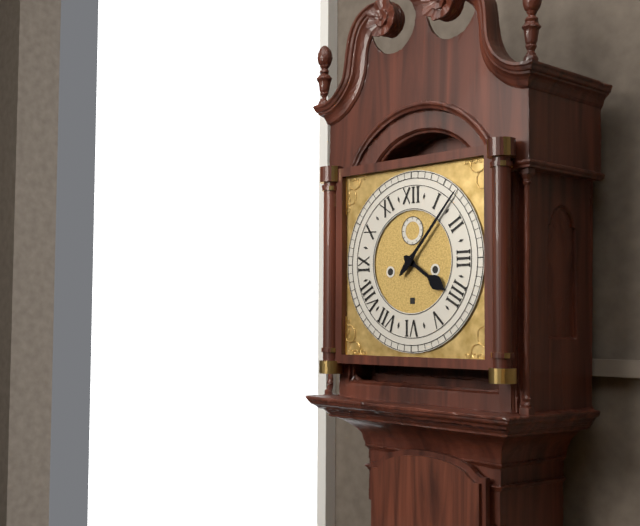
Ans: 4:07
